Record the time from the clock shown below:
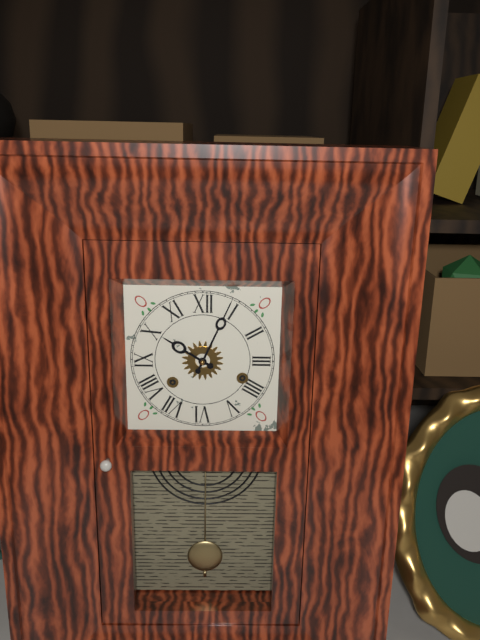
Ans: 10:04
